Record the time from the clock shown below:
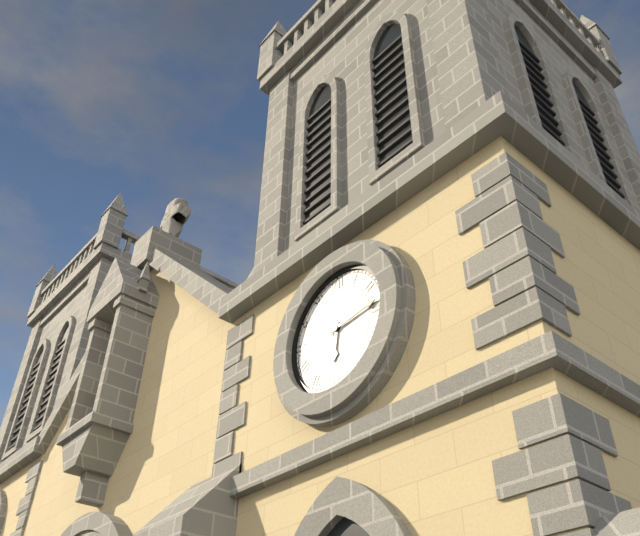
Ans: 6:14
